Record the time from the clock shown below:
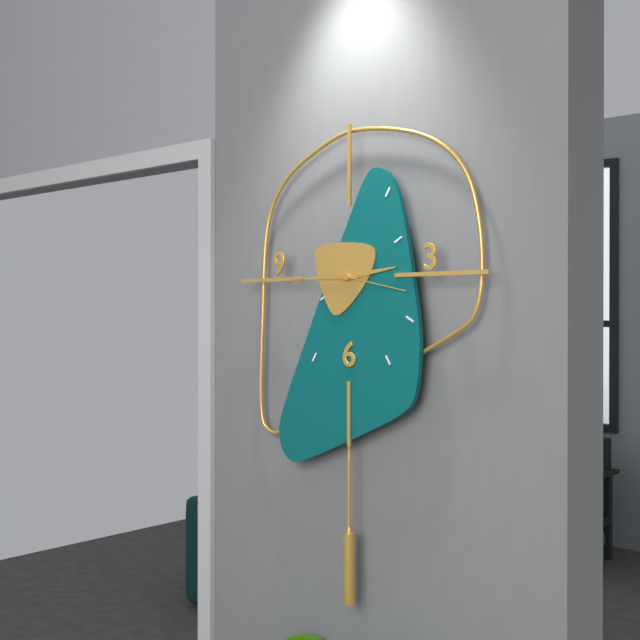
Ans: 2:45:17
